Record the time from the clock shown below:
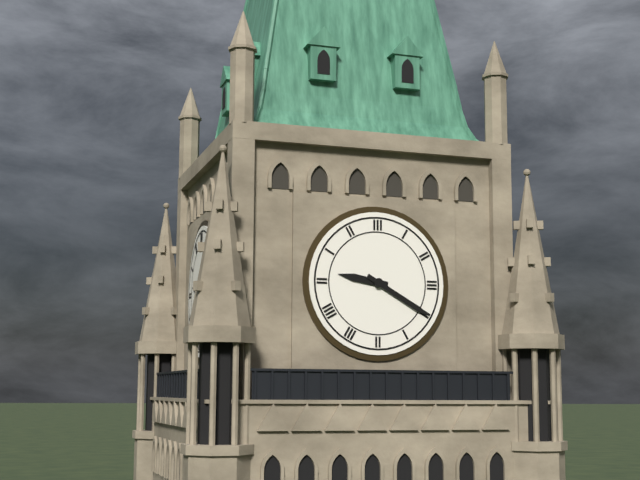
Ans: 9:20
